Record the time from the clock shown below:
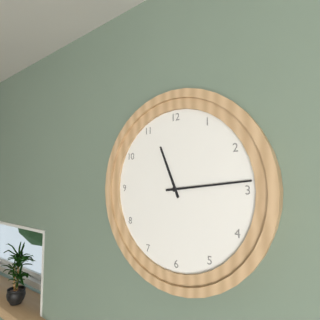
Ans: 11:14
